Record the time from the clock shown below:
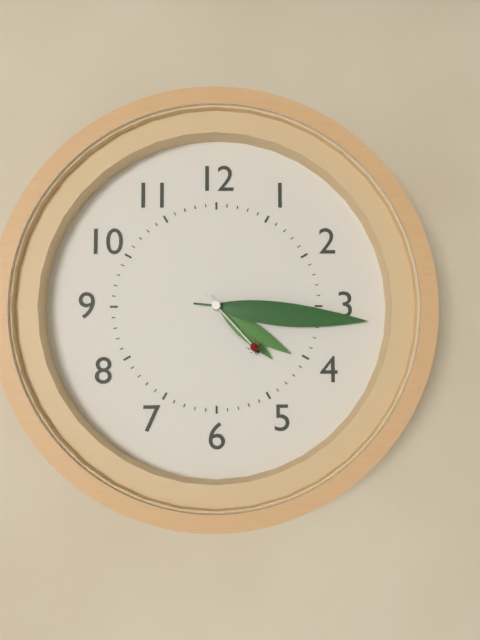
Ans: 4:16:23
